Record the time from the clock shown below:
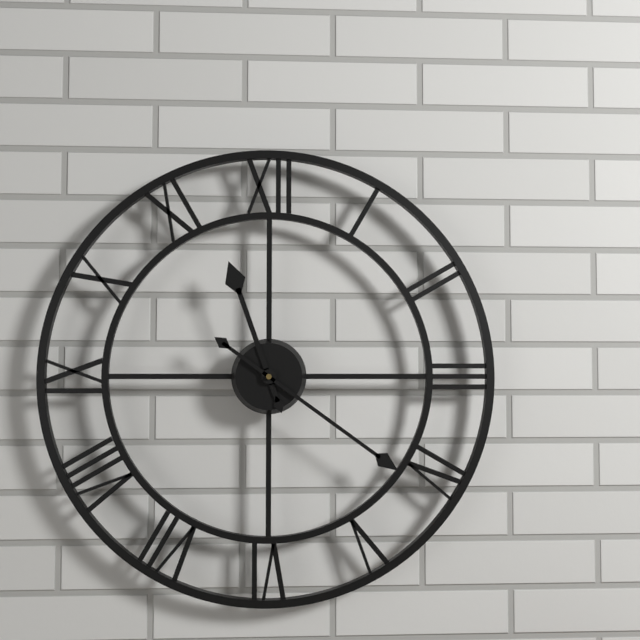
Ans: 11:21
